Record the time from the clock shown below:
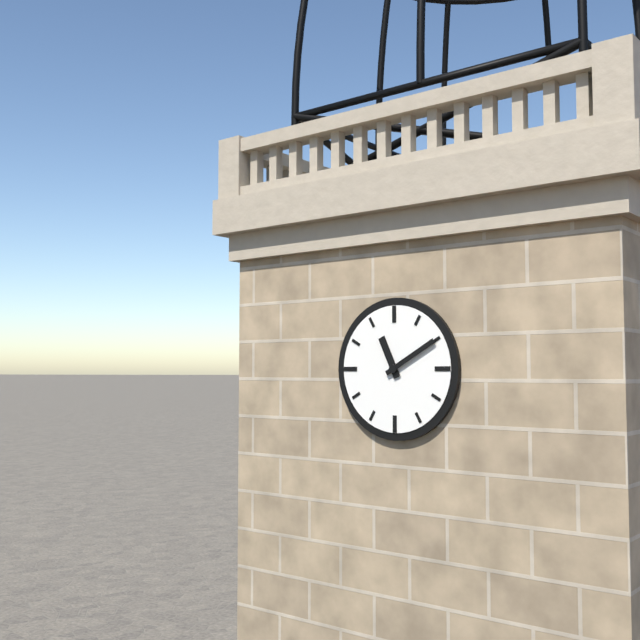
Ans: 11:10
